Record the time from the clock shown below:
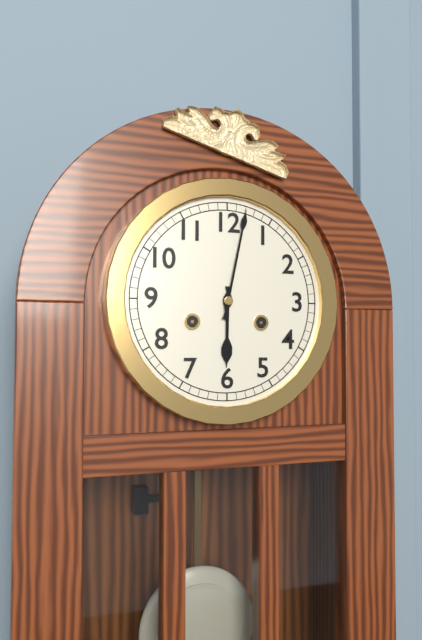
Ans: 6:02
